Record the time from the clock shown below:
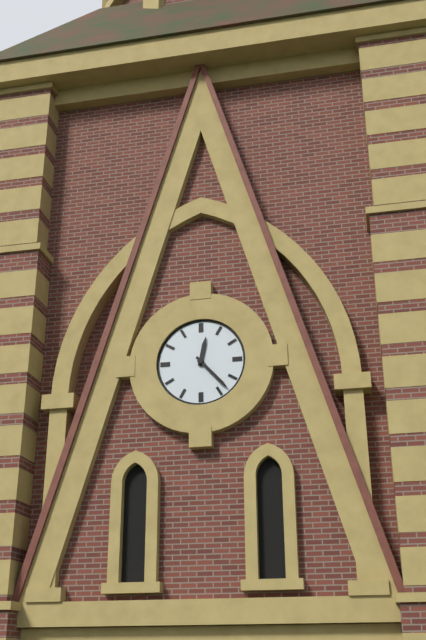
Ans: 12:23
